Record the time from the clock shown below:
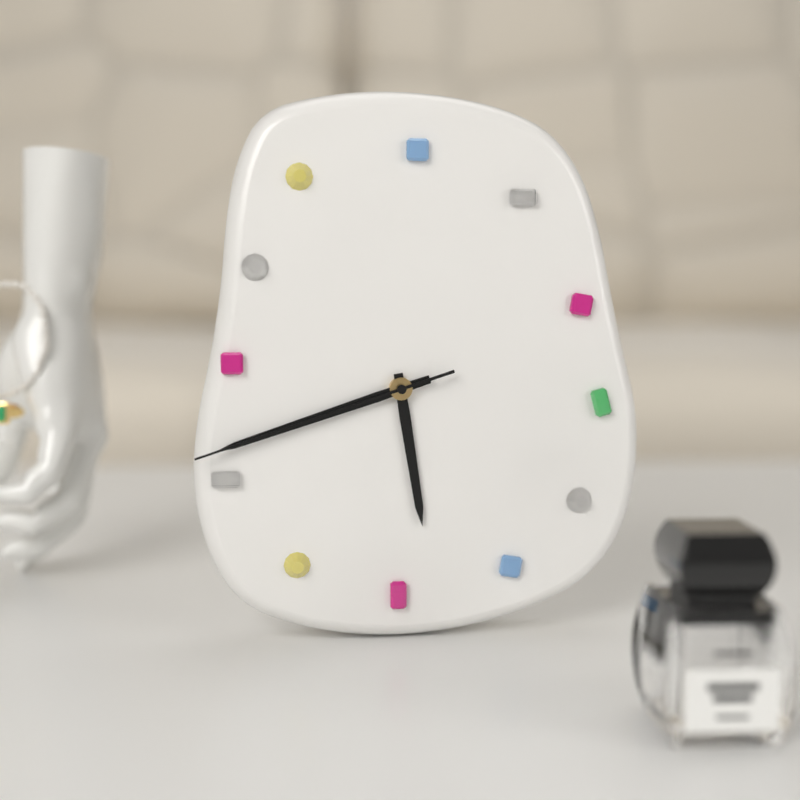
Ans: 5:42:42
